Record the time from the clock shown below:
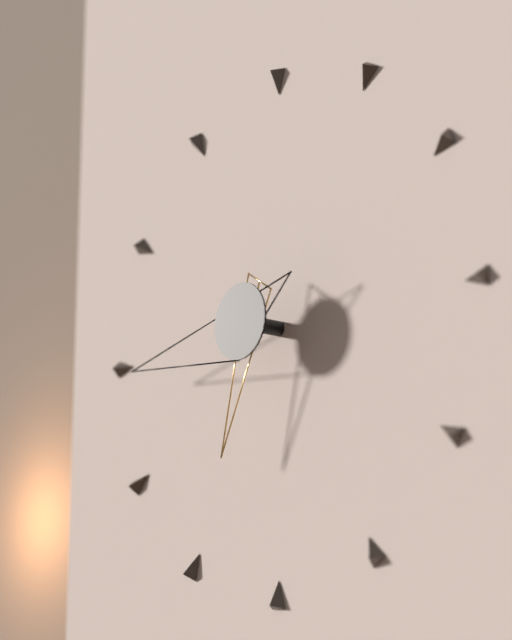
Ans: 6:44
